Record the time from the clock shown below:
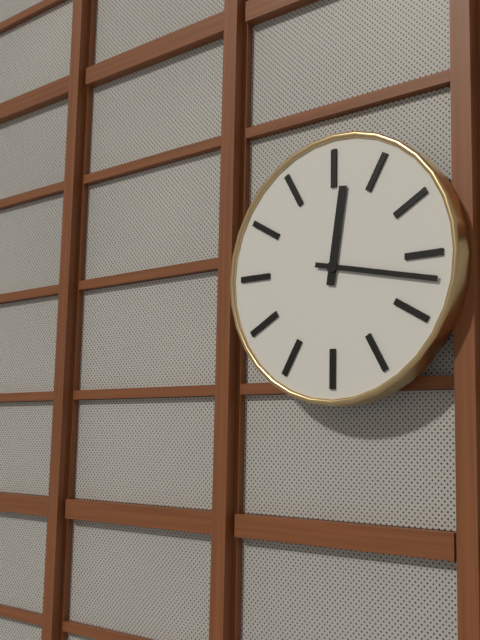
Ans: 12:17
